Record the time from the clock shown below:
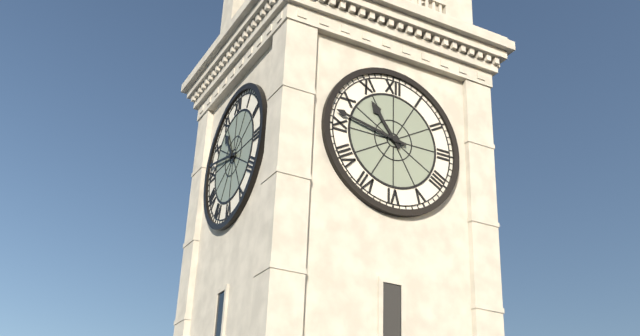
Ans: 10:47
